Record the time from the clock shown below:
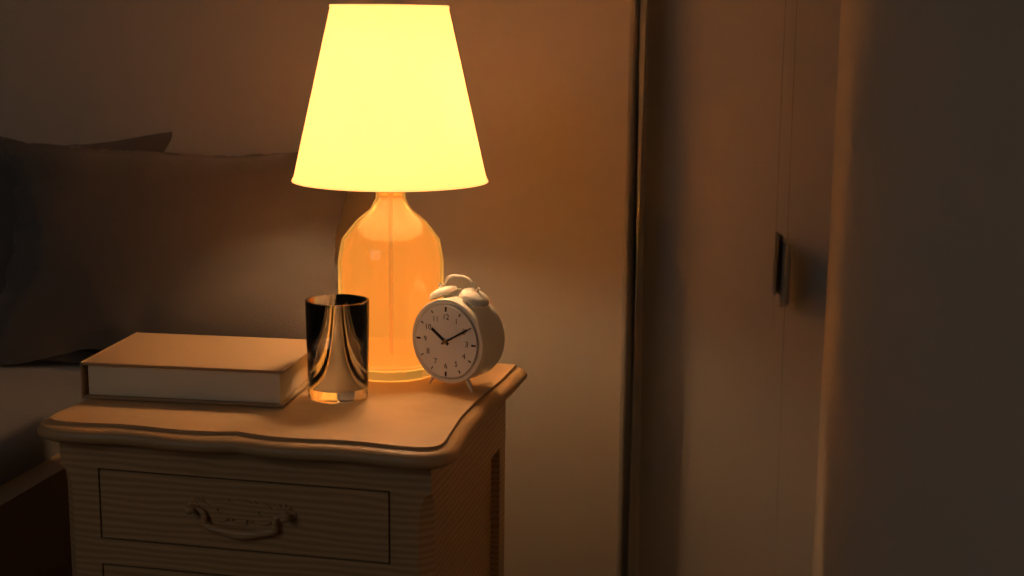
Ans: 10:10
